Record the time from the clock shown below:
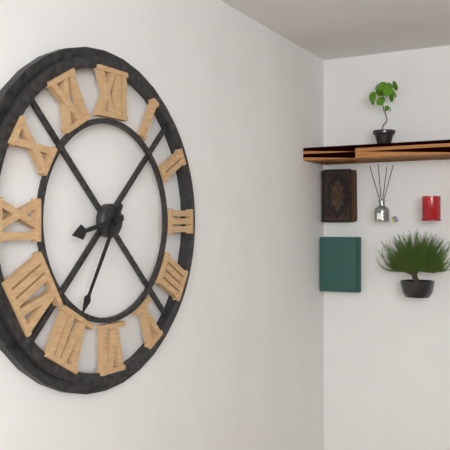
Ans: 8:35
